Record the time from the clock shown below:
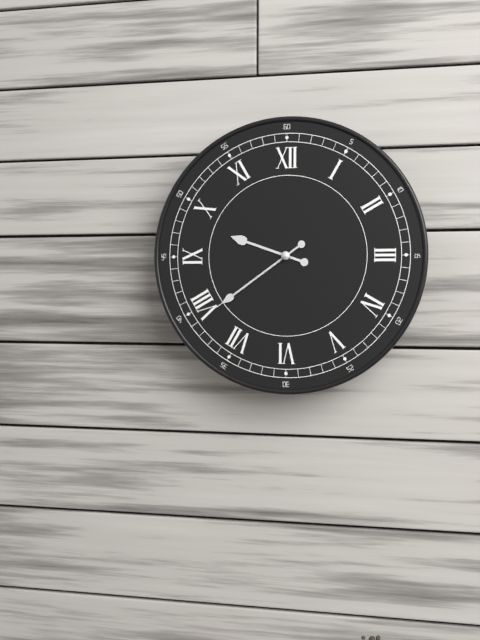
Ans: 9:39:39
